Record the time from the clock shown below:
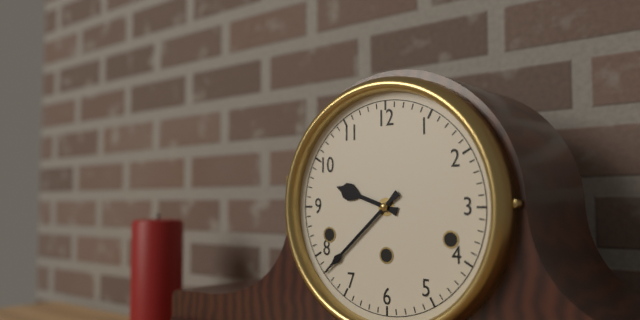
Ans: 9:38
